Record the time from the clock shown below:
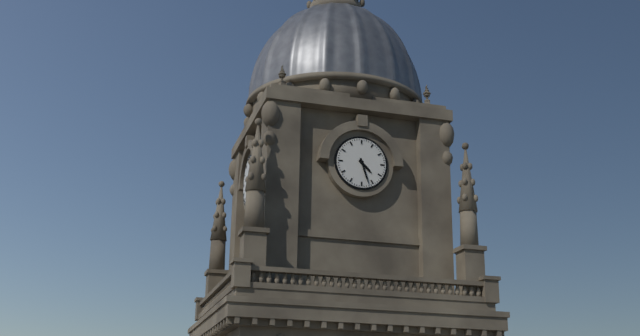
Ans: 4:27
